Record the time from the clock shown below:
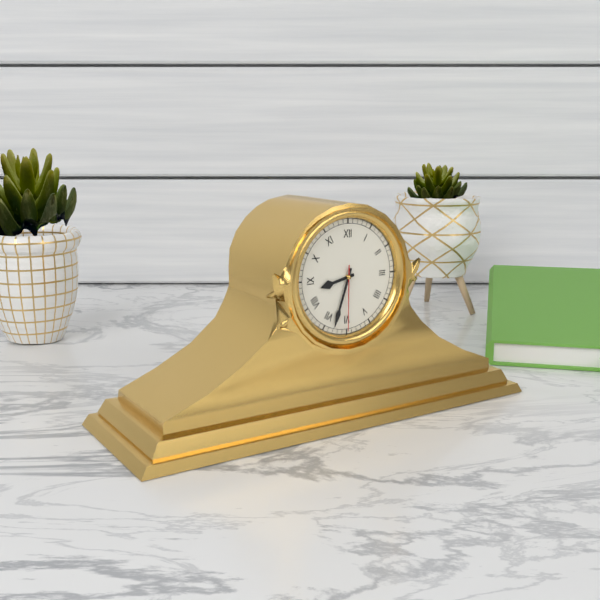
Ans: 8:33:30
